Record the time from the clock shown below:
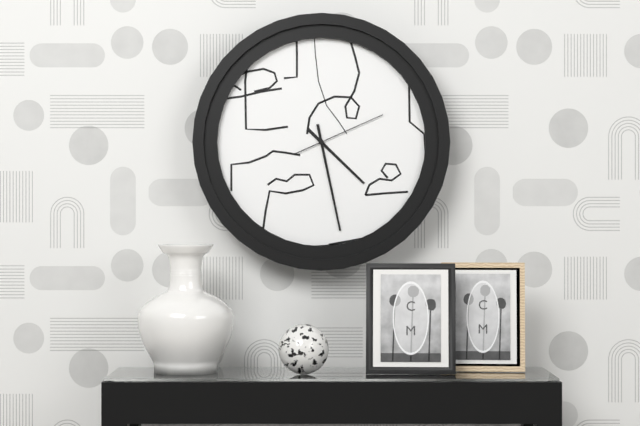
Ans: 4:28:11
